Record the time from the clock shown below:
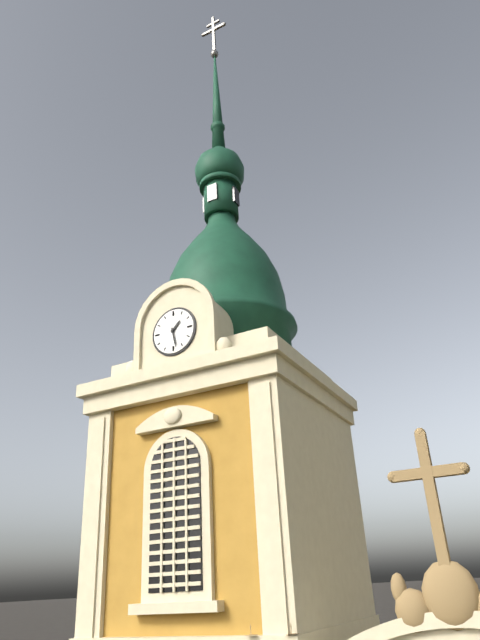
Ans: 1:28
